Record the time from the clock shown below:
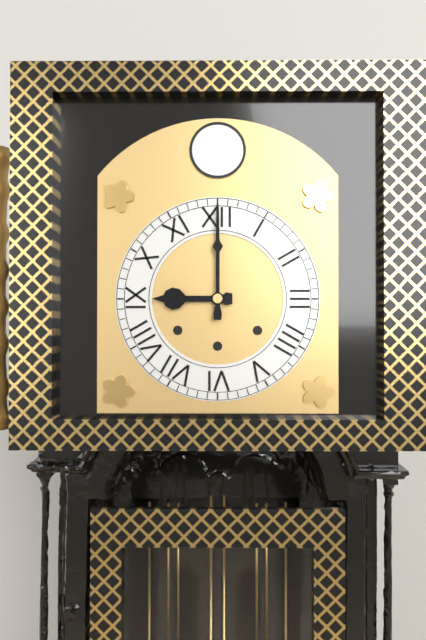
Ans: 9:00
